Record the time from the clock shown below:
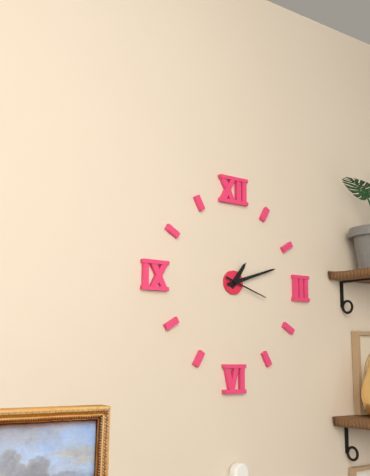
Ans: 1:12
